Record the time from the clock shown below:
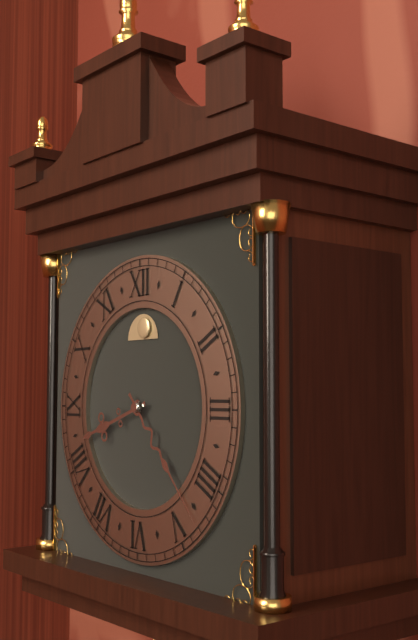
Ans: 8:23
